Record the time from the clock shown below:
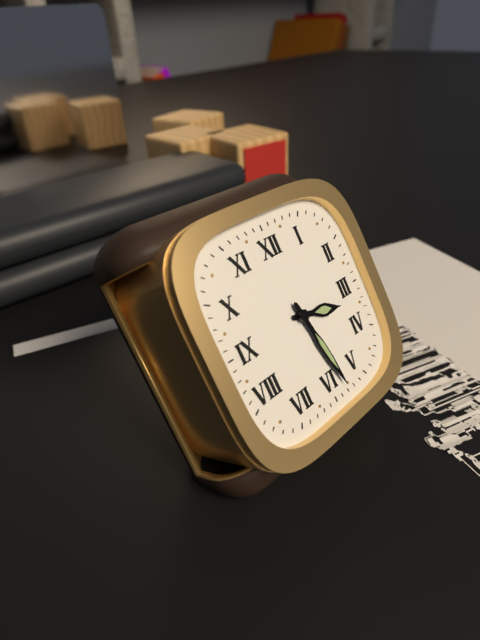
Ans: 3:28
